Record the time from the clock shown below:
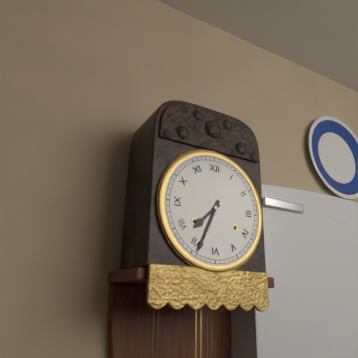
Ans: 7:34
